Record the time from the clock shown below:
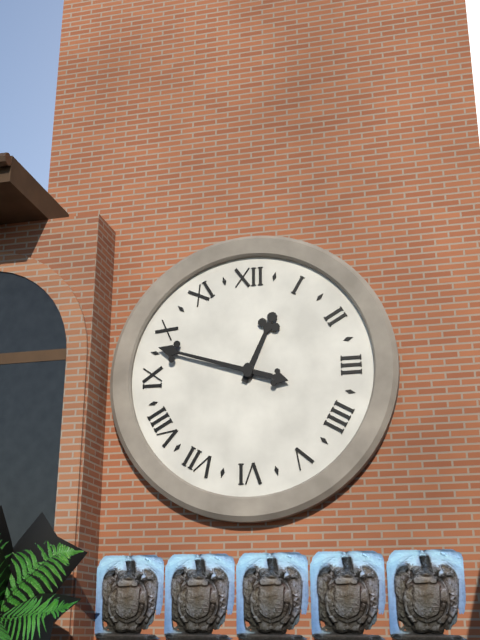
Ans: 12:48
